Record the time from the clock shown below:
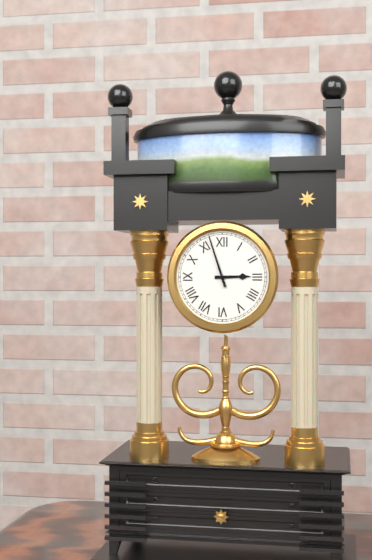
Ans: 2:57
